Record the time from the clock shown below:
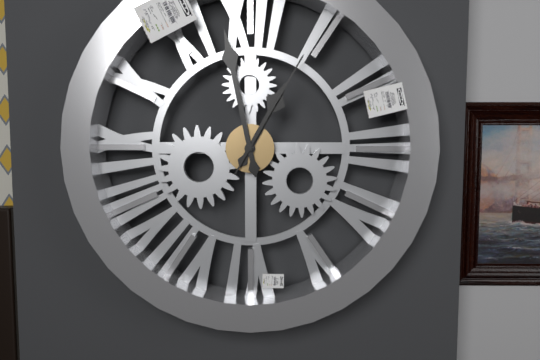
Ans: 12:58:05
